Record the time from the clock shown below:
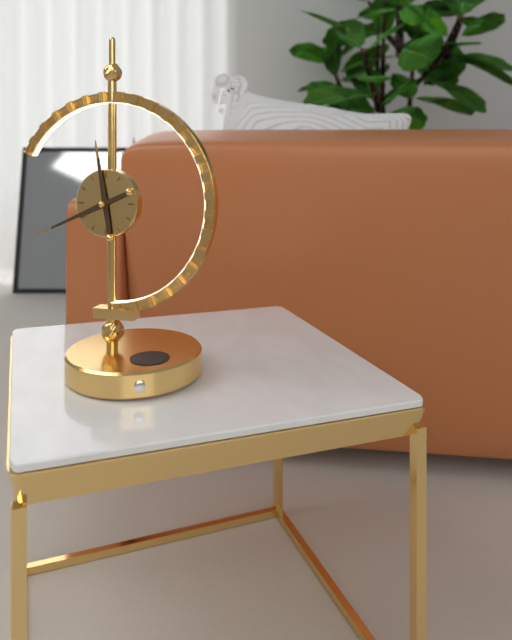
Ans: 11:41
